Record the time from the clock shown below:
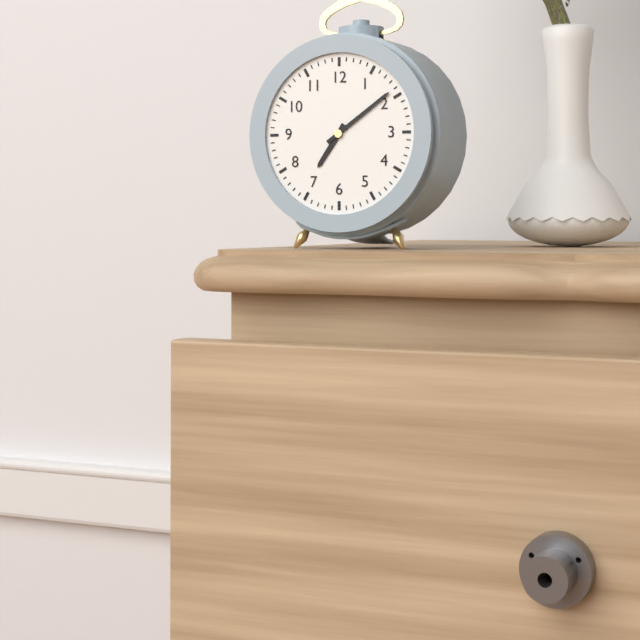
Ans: 7:09
